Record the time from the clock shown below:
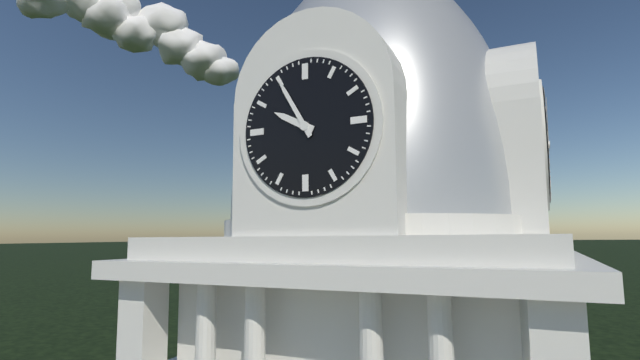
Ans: 9:55
